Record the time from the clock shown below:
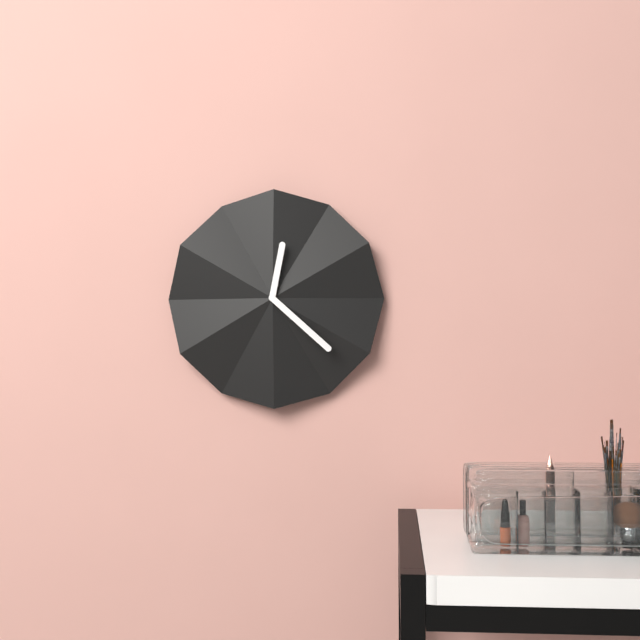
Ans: 12:22
